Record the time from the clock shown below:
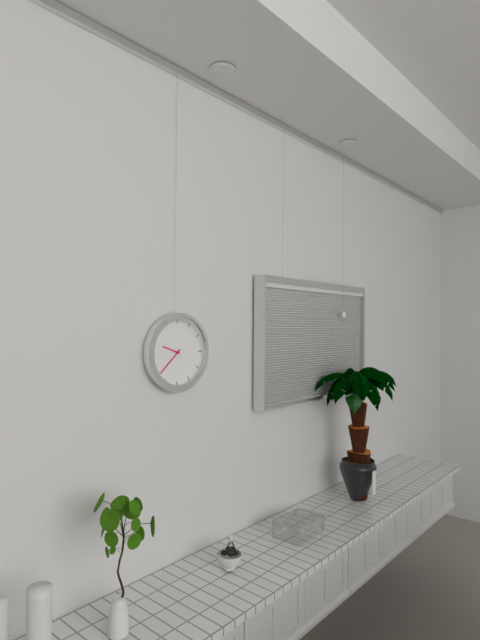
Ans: 9:38
